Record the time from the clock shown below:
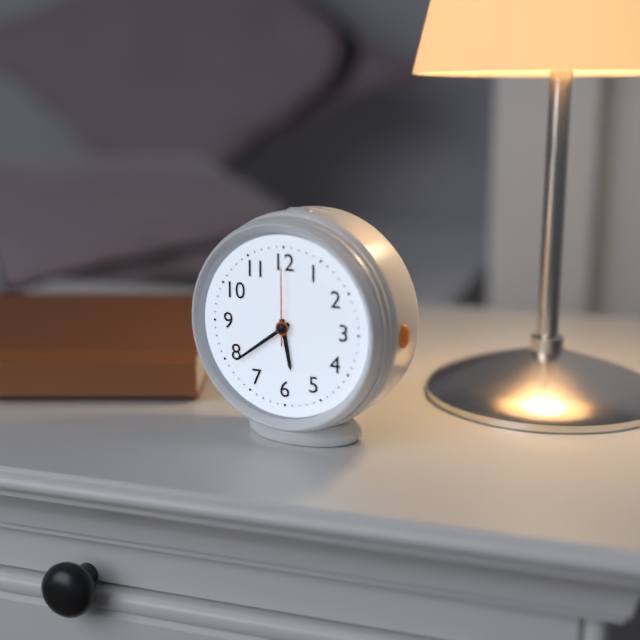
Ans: 5:39:00
